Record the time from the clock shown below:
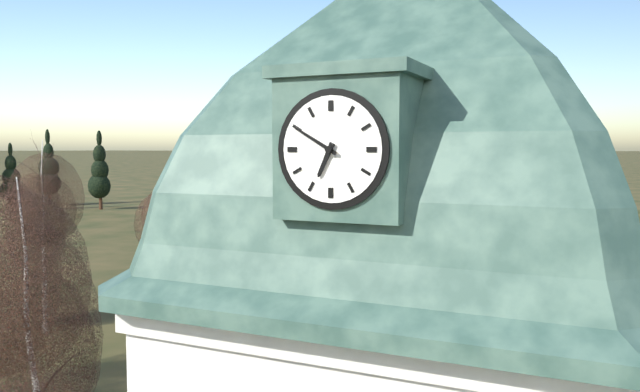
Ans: 6:50
